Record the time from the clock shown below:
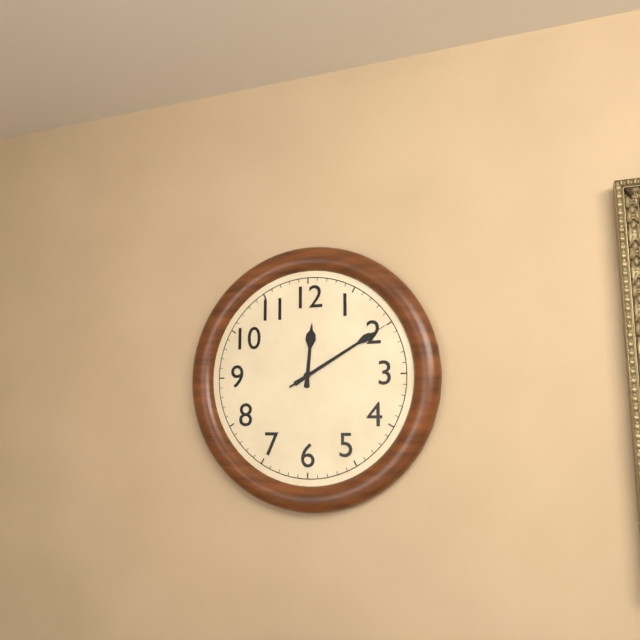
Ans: 12:10:10
